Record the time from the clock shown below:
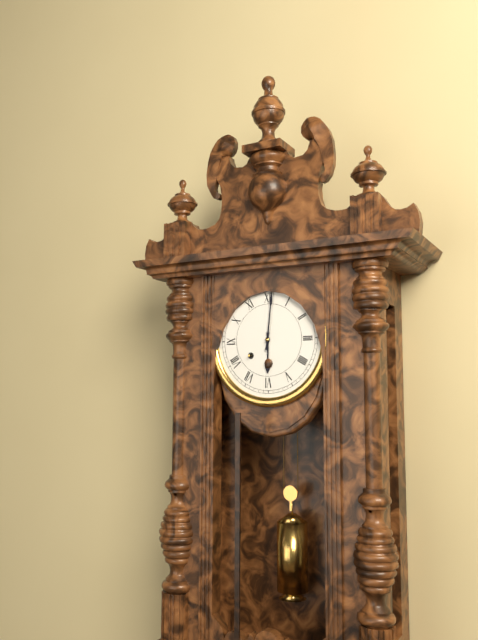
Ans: 6:01
